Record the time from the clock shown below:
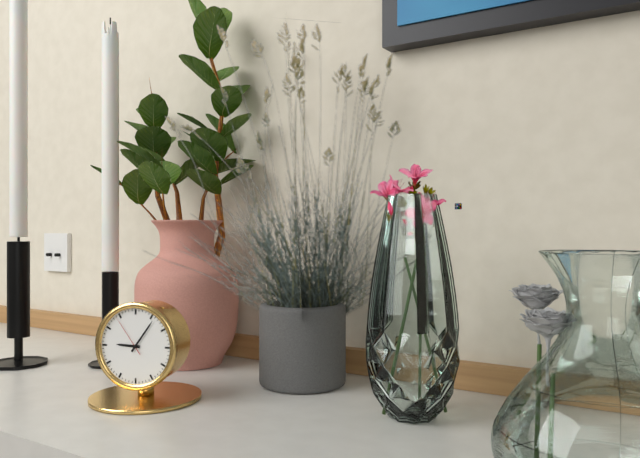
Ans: 9:06
